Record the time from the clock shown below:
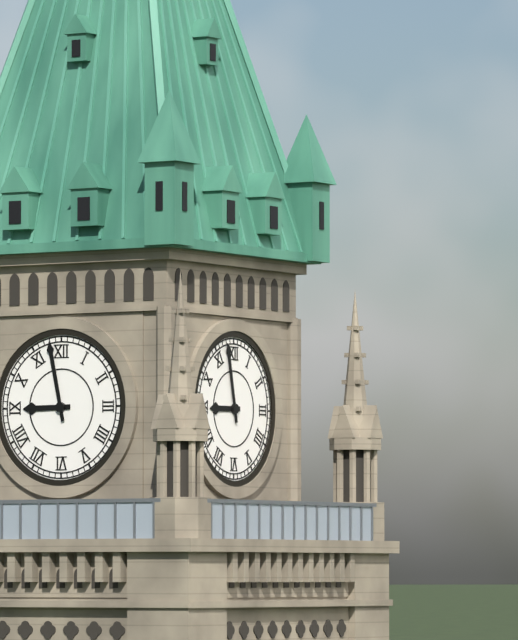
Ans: 8:58
